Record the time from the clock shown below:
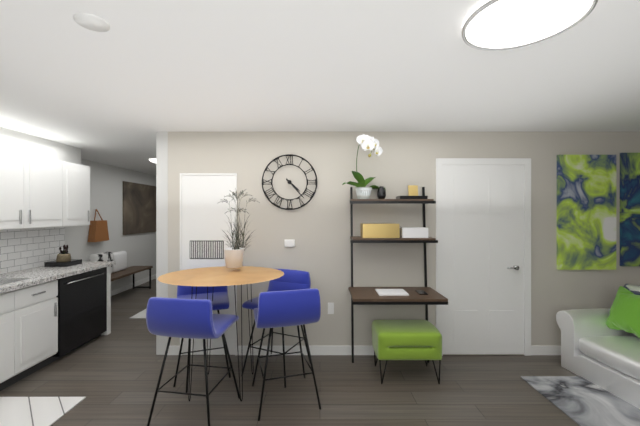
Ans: 4:23
